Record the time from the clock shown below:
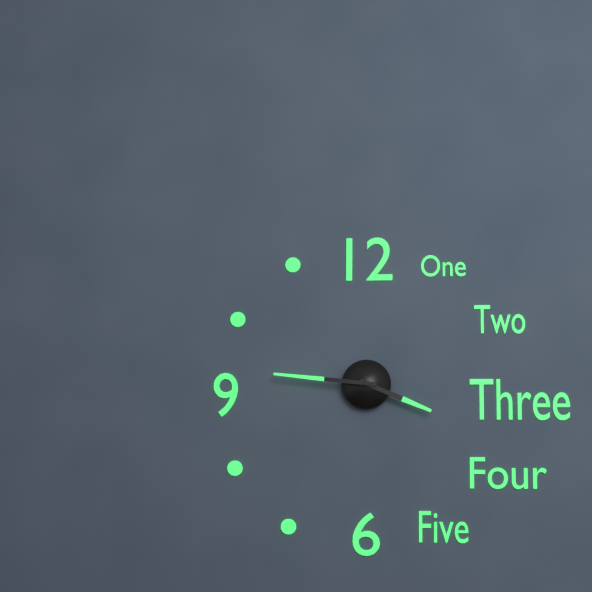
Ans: 3:46
